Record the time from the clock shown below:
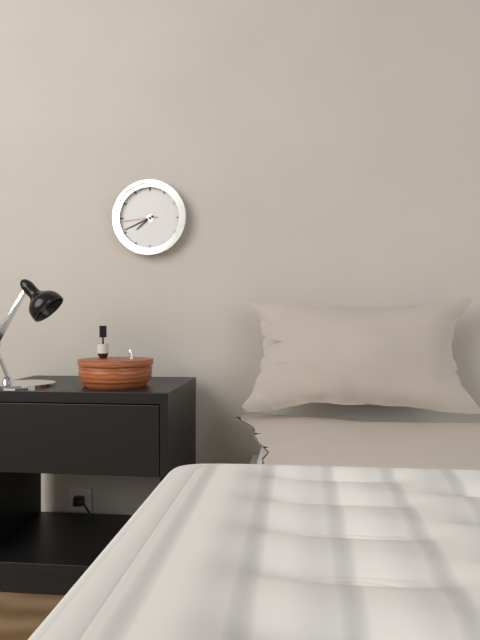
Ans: 7:41
